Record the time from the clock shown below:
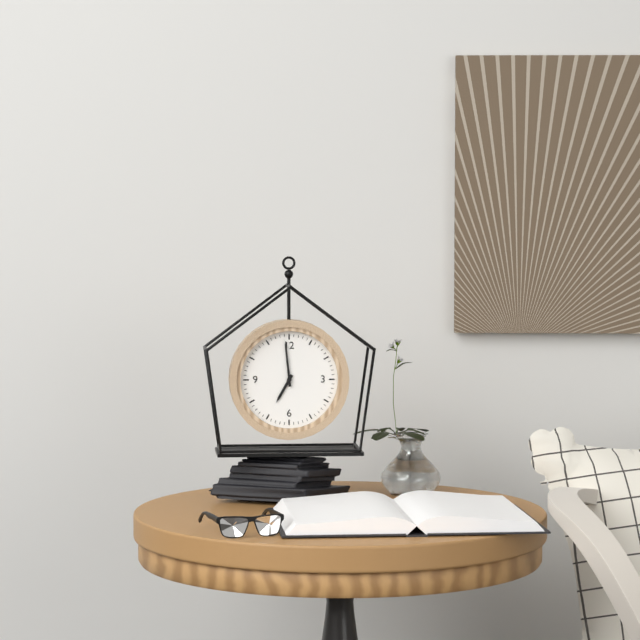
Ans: 6:59
